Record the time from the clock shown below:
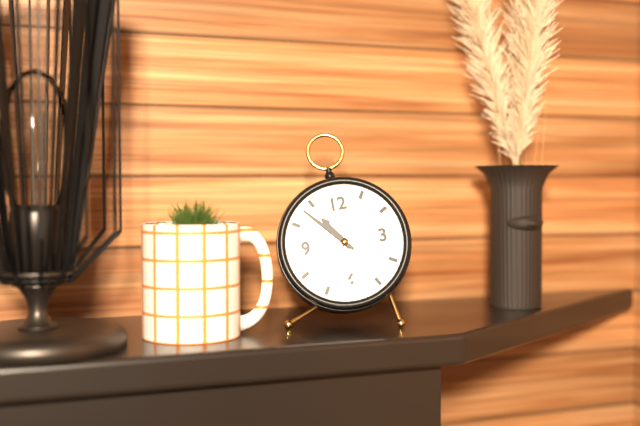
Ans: 10:53
